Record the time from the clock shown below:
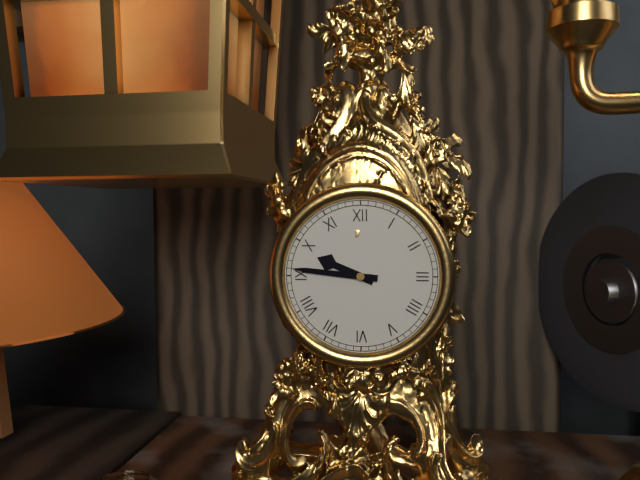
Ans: 9:46
